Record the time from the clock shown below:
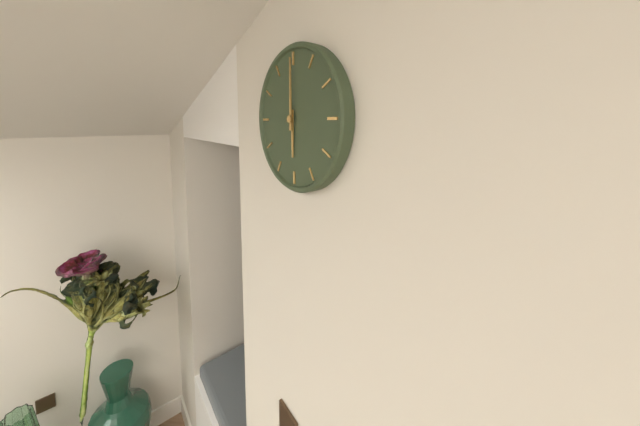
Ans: 6:00
